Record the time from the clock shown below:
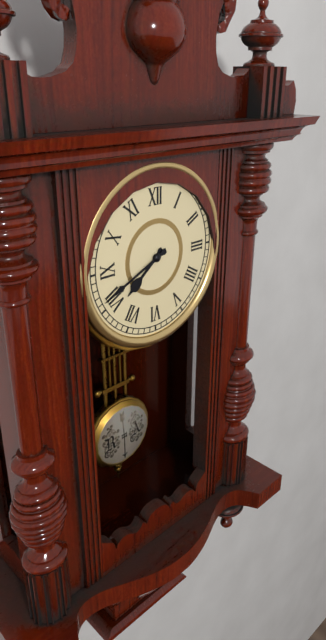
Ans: 7:41
